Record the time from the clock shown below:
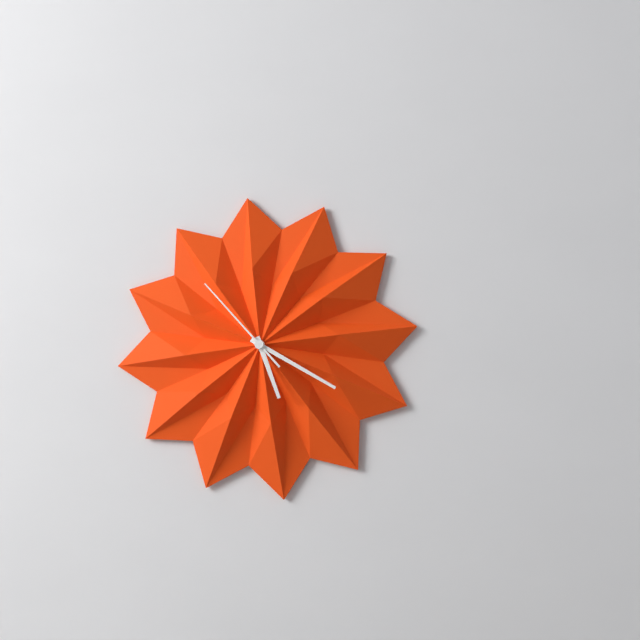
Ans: 5:20:53
